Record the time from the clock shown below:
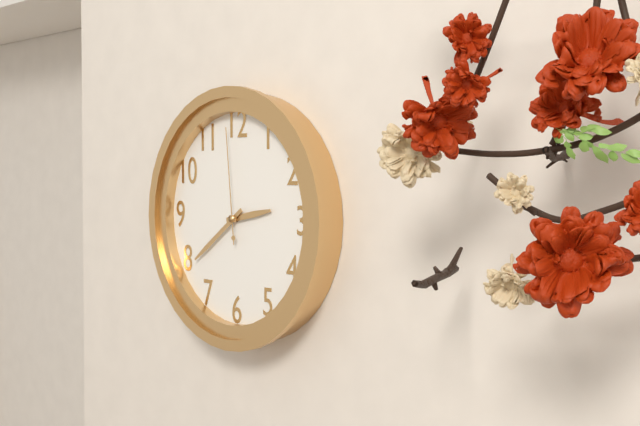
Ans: 2:39:59
